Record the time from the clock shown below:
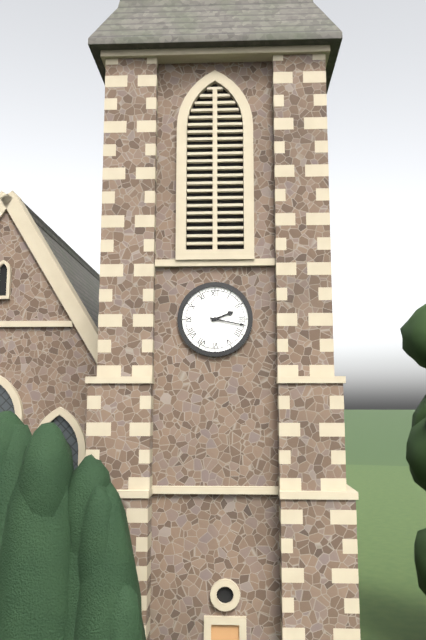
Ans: 2:17
